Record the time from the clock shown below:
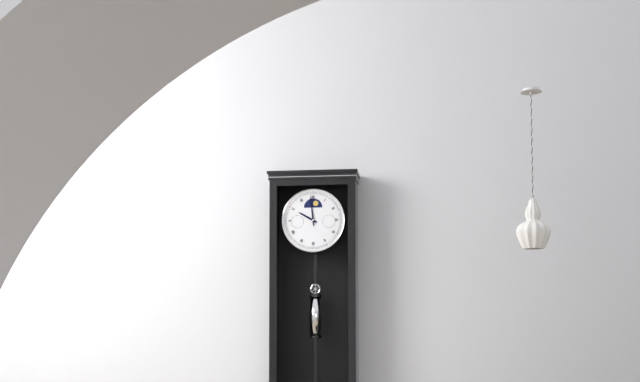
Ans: 9:59
